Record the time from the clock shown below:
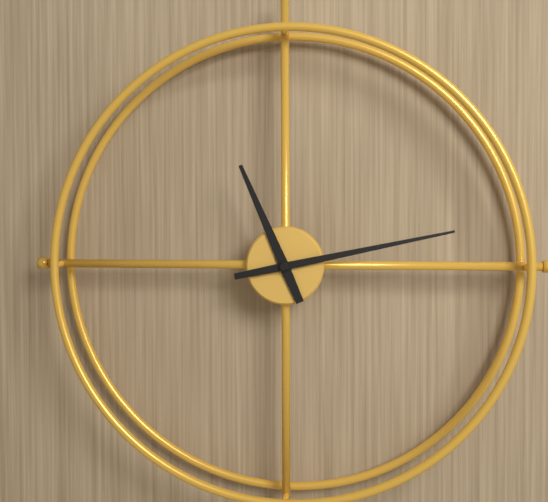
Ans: 11:13
